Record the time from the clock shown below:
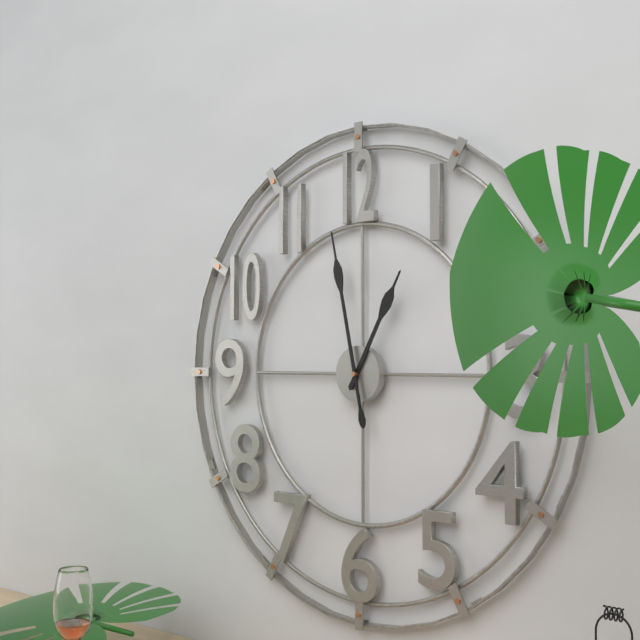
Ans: 12:58
